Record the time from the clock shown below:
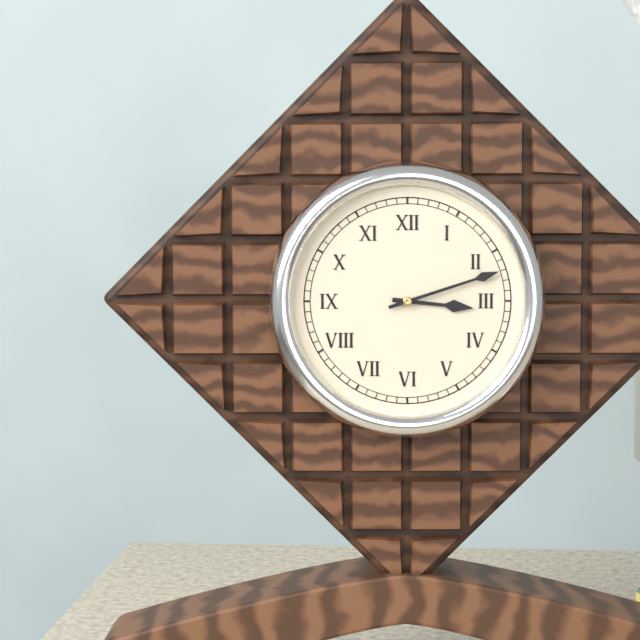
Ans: 3:12
